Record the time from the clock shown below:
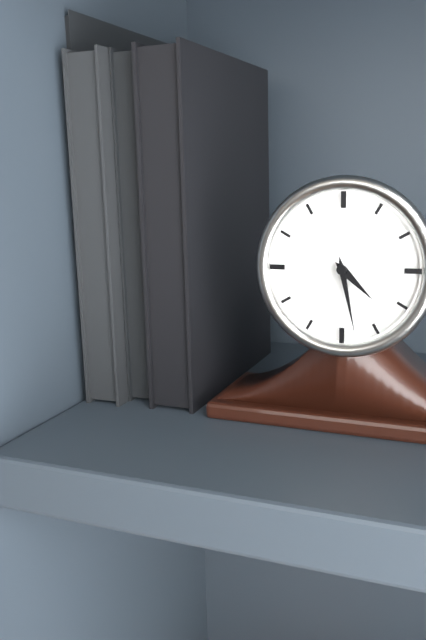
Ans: 4:28
